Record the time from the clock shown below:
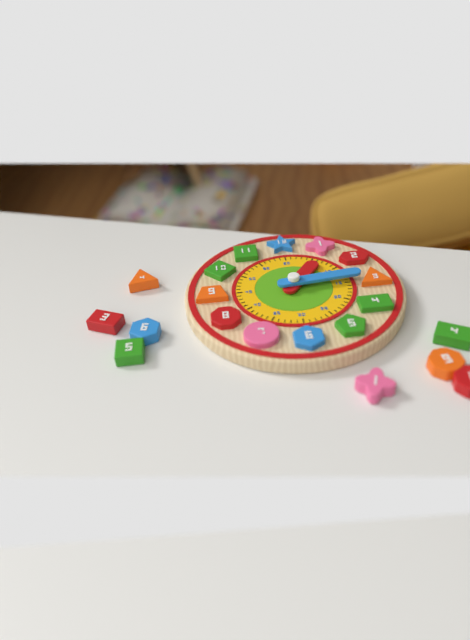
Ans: 1:14
